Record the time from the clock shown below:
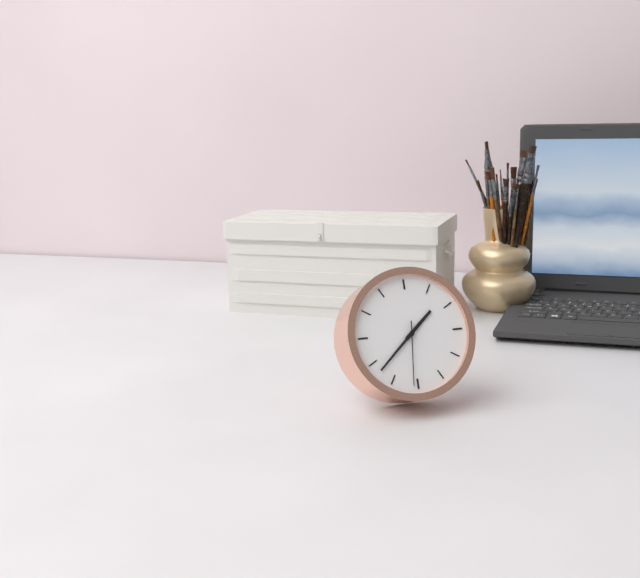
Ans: 1:38:31
